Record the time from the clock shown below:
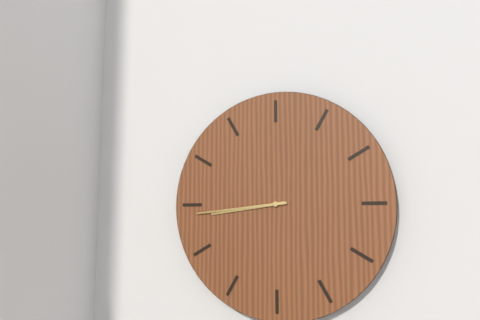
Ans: 8:44
